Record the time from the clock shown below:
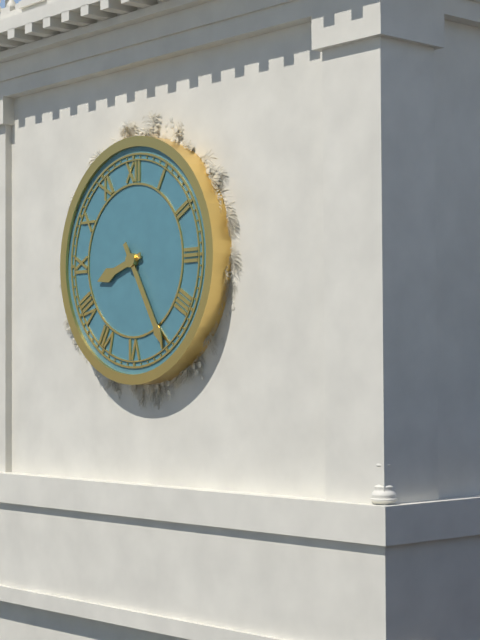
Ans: 8:25
